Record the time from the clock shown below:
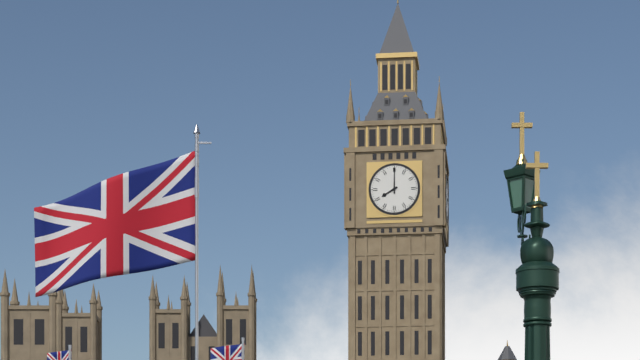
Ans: 8:00
